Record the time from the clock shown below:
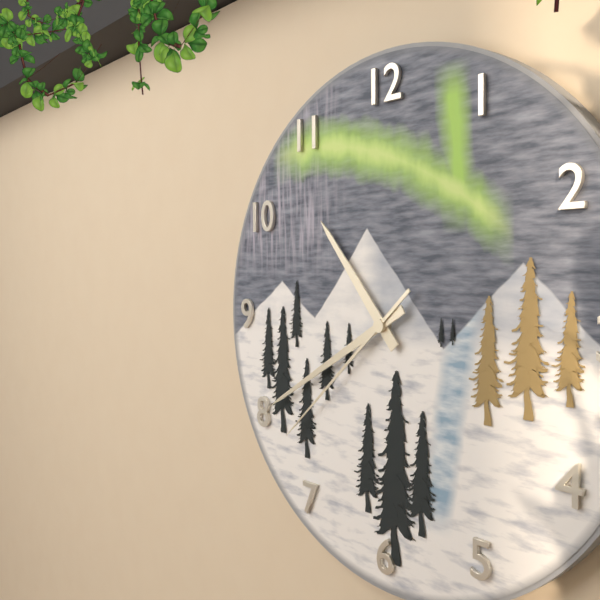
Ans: 10:40:38
